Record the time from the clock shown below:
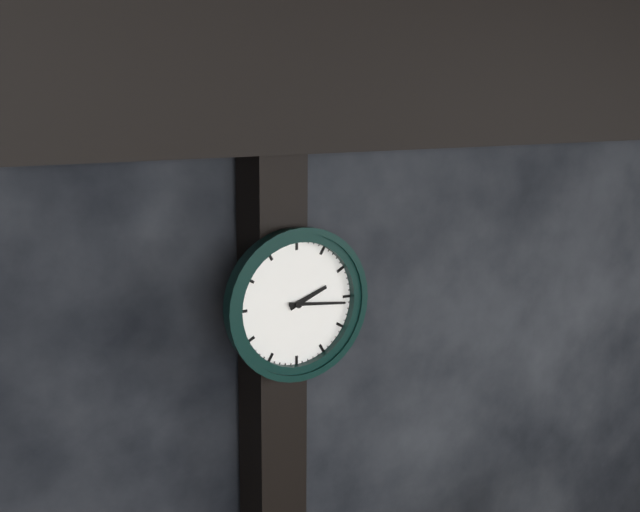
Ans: 2:16
